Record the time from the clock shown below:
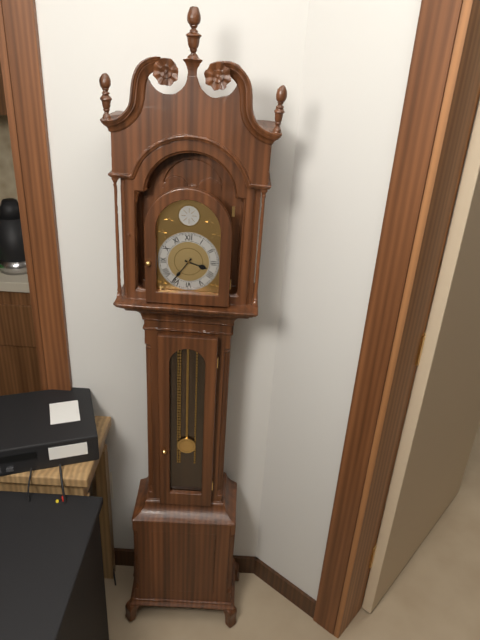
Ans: 3:36
